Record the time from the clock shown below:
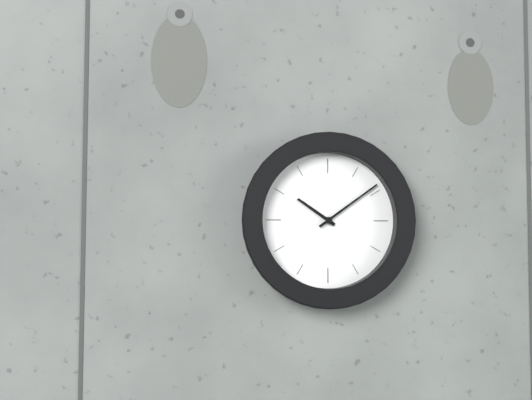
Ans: 10:09
